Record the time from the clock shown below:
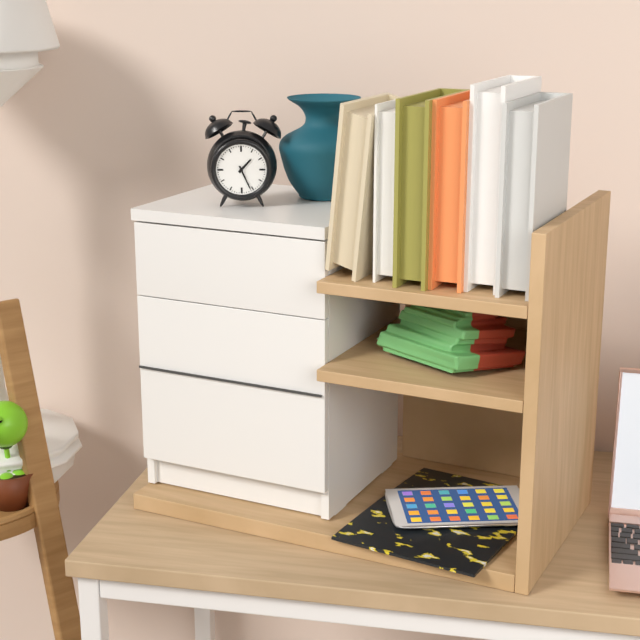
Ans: 1:26
